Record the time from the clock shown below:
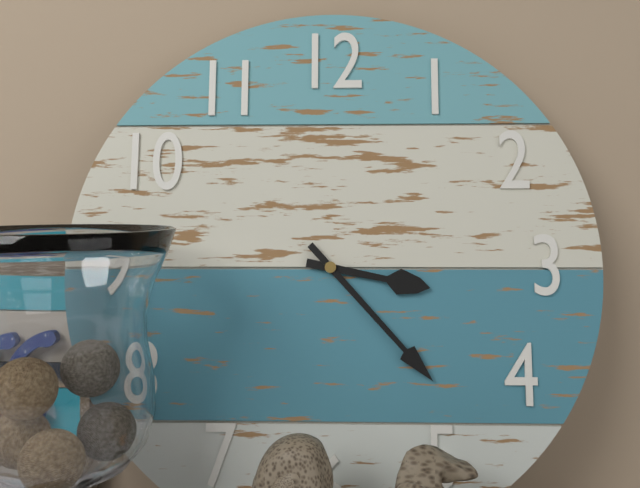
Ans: 3:23
